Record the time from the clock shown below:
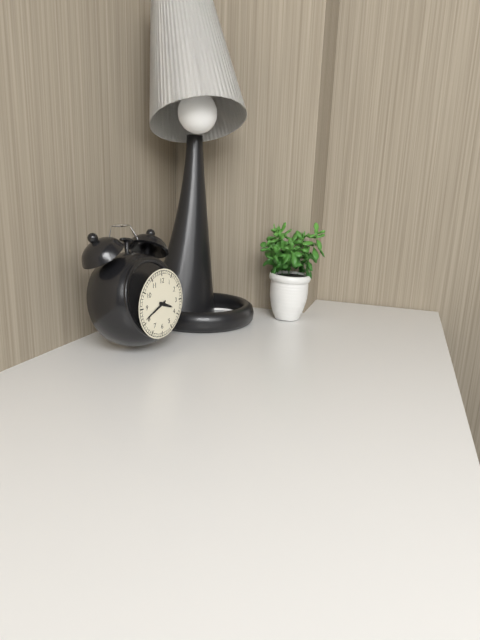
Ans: 3:41
